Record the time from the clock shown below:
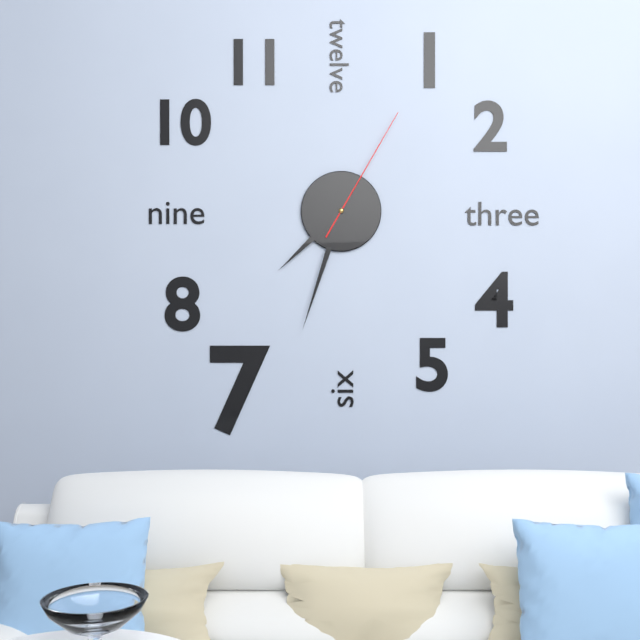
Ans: 7:33:05
